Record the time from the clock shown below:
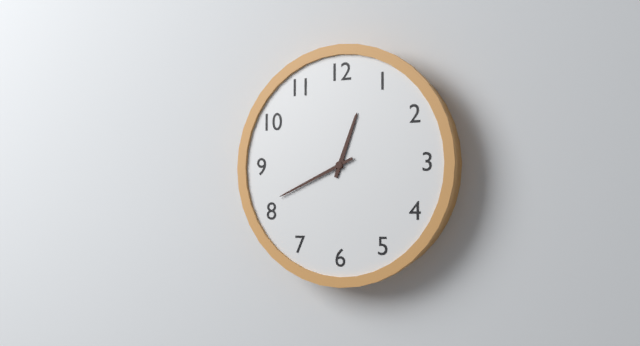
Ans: 12:41
